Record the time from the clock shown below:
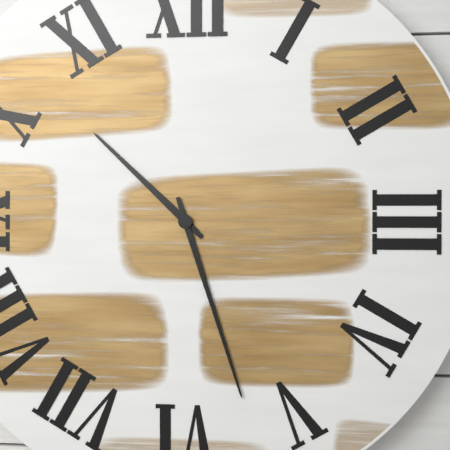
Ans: 10:27
